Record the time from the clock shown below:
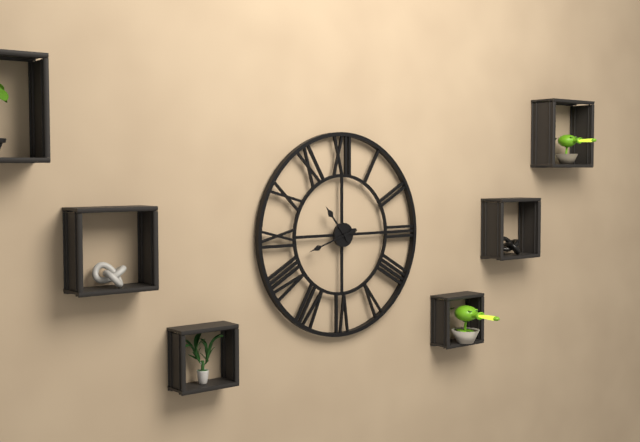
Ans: 10:42
